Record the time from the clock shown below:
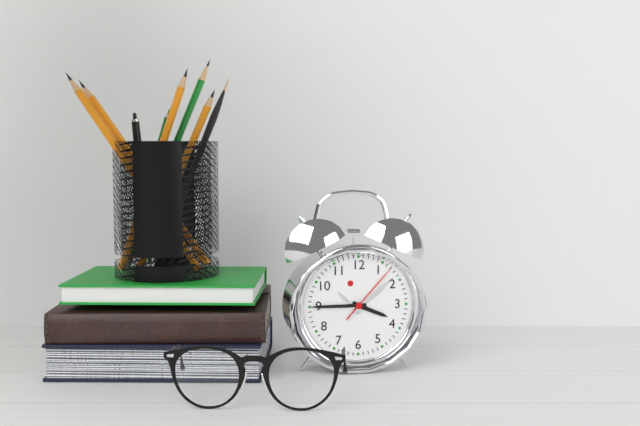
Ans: 3:45:07
